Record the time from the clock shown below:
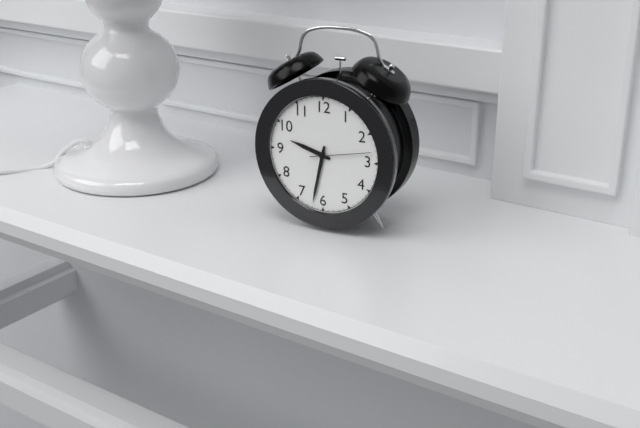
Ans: 9:32:13
